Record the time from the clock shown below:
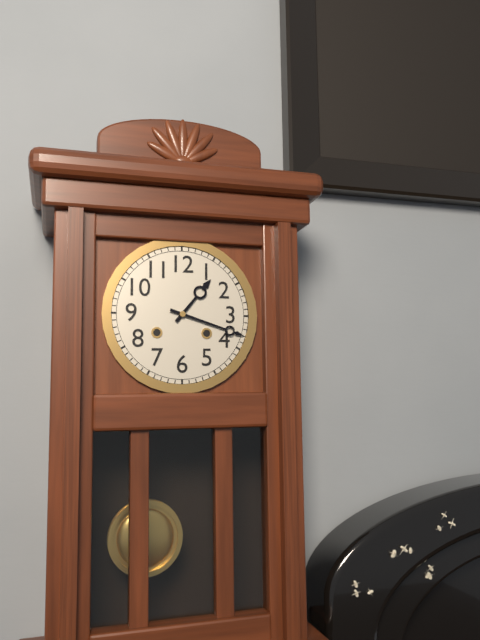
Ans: 1:18
